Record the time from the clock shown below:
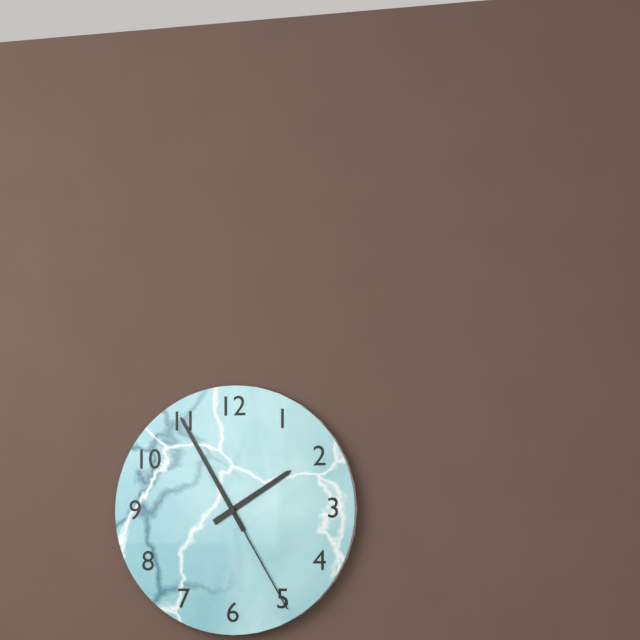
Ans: 1:55:25
